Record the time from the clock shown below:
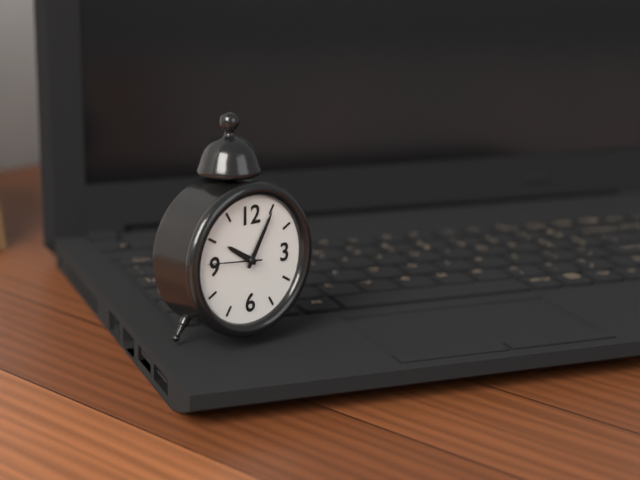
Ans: 10:05:46
